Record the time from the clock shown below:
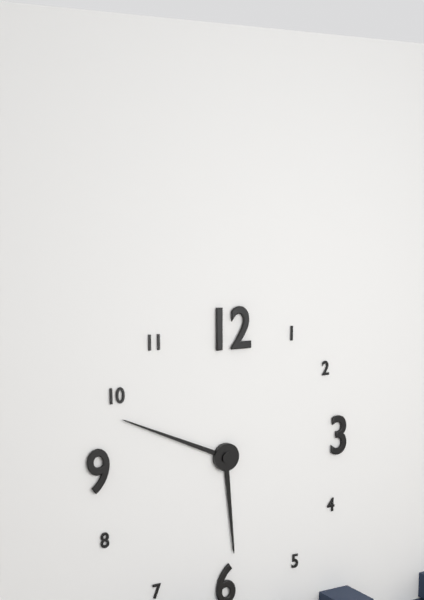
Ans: 5:49
